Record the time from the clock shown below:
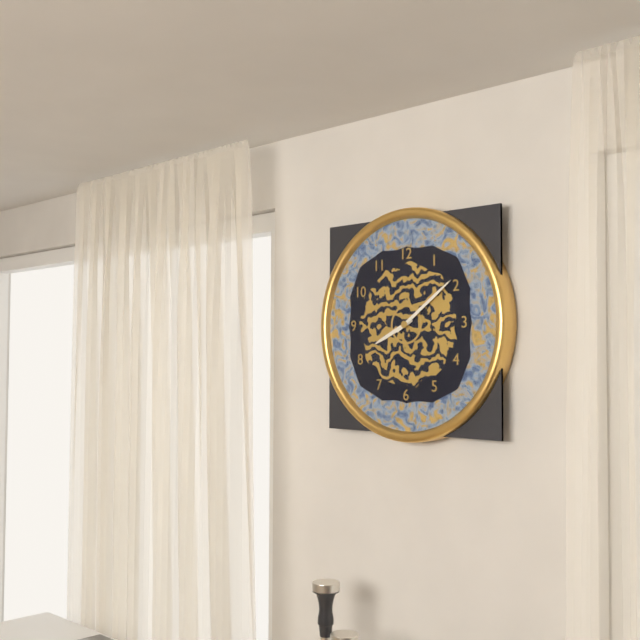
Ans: 8:09
